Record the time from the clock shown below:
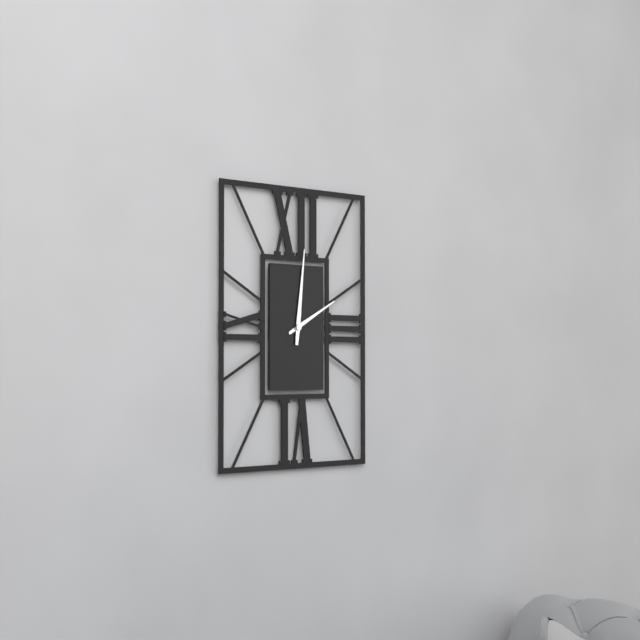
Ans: 2:01
